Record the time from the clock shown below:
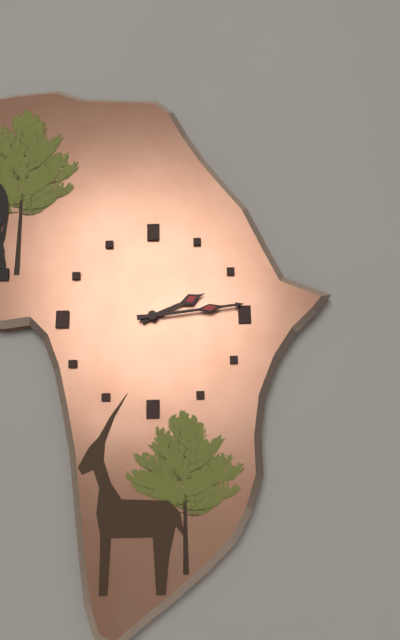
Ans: 2:14
